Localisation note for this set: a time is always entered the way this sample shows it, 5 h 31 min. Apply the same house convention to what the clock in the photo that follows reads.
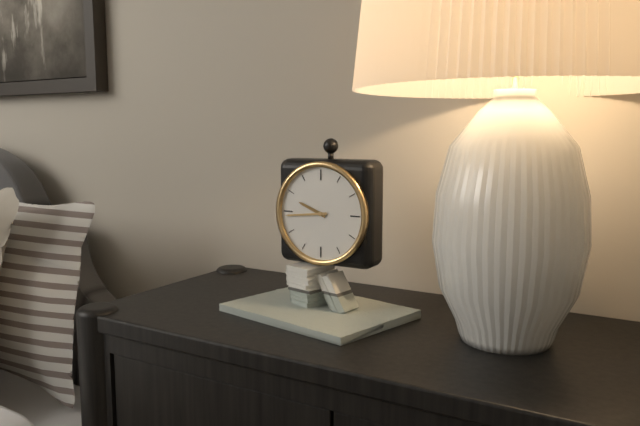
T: 9 h 44 min
